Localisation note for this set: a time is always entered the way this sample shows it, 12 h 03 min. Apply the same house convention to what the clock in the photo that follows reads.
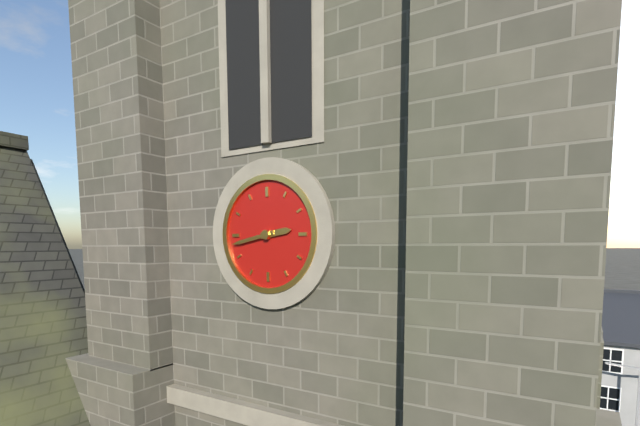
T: 2 h 43 min
